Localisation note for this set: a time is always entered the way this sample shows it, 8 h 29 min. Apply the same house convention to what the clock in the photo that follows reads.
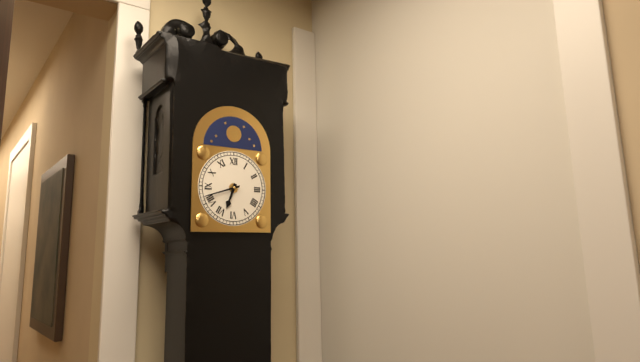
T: 6 h 42 min
